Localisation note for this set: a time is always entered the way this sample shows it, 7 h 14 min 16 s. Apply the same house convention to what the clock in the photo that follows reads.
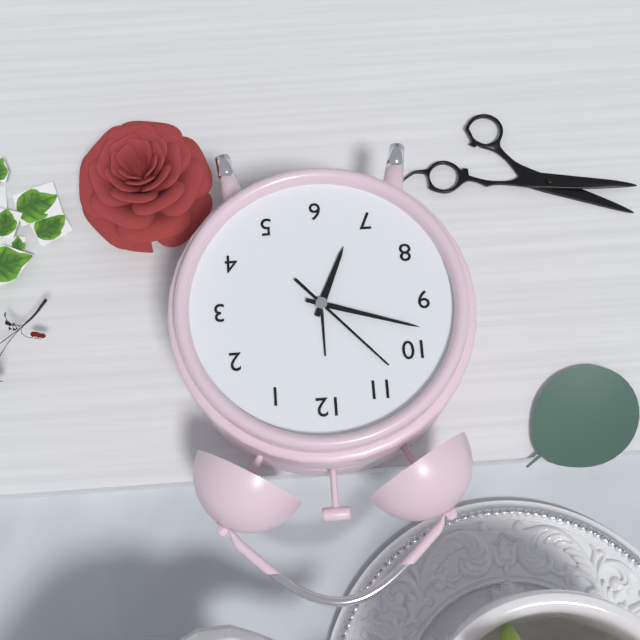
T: 6 h 48 min 53 s
